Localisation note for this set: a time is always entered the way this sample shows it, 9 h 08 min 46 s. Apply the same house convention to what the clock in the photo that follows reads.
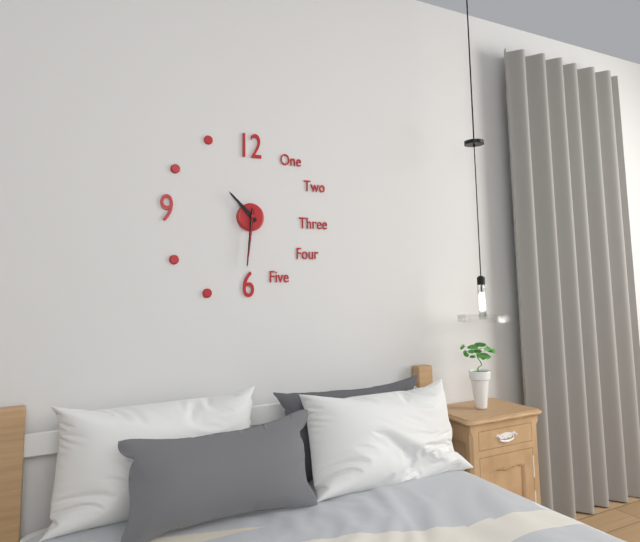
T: 10 h 31 min 31 s
